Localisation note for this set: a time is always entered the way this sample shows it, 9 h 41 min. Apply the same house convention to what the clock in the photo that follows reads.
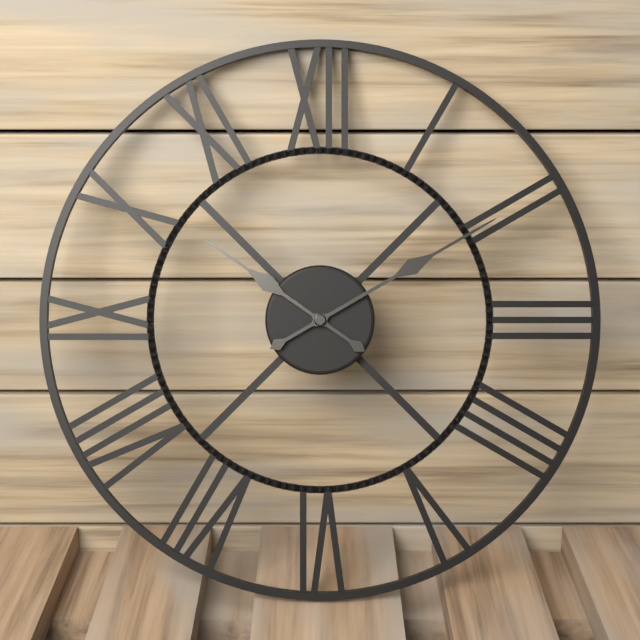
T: 10 h 10 min
